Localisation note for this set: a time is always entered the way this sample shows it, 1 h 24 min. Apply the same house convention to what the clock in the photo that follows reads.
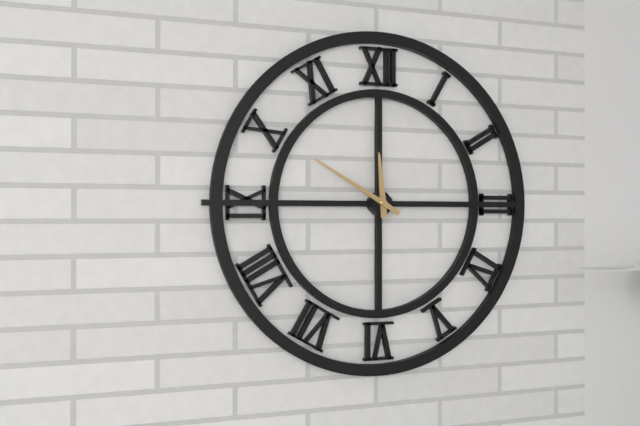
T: 11 h 50 min
